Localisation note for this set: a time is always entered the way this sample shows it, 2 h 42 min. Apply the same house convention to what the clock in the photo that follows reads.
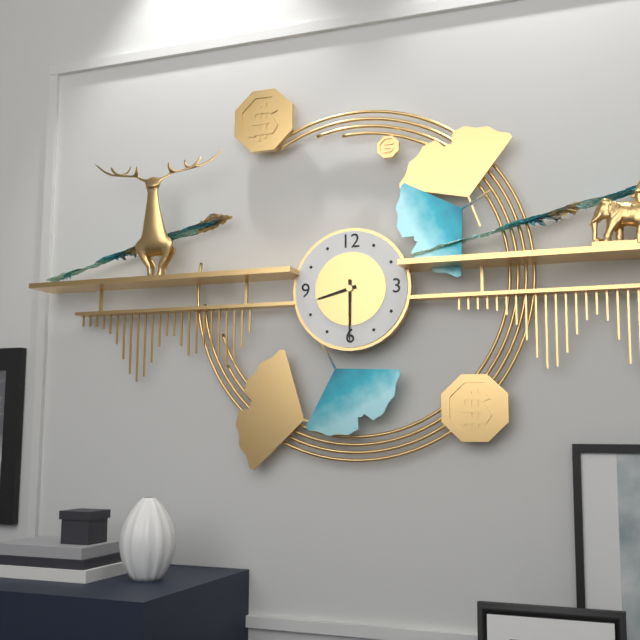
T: 8 h 30 min
